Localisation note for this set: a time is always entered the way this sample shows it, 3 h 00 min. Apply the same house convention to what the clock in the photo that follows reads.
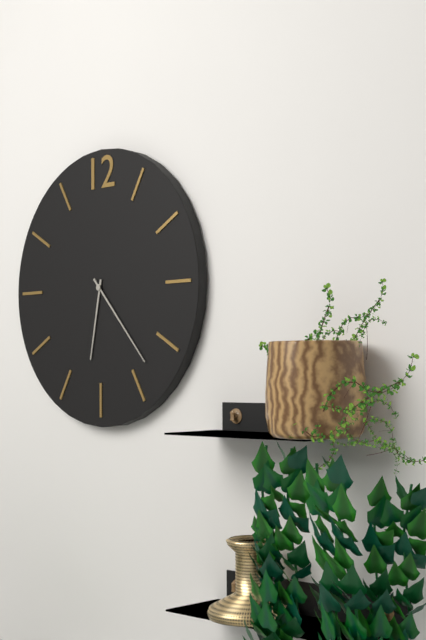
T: 6 h 23 min
